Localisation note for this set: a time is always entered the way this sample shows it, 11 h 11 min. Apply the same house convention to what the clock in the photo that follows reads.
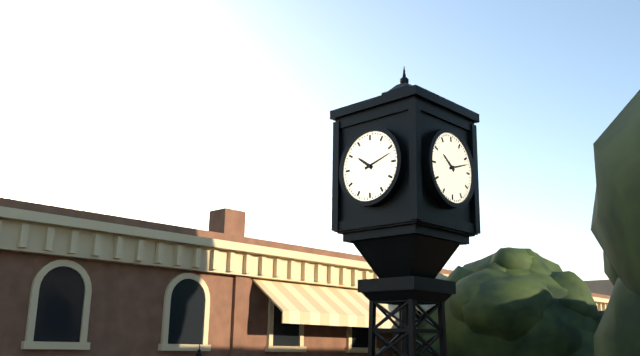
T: 10 h 12 min
